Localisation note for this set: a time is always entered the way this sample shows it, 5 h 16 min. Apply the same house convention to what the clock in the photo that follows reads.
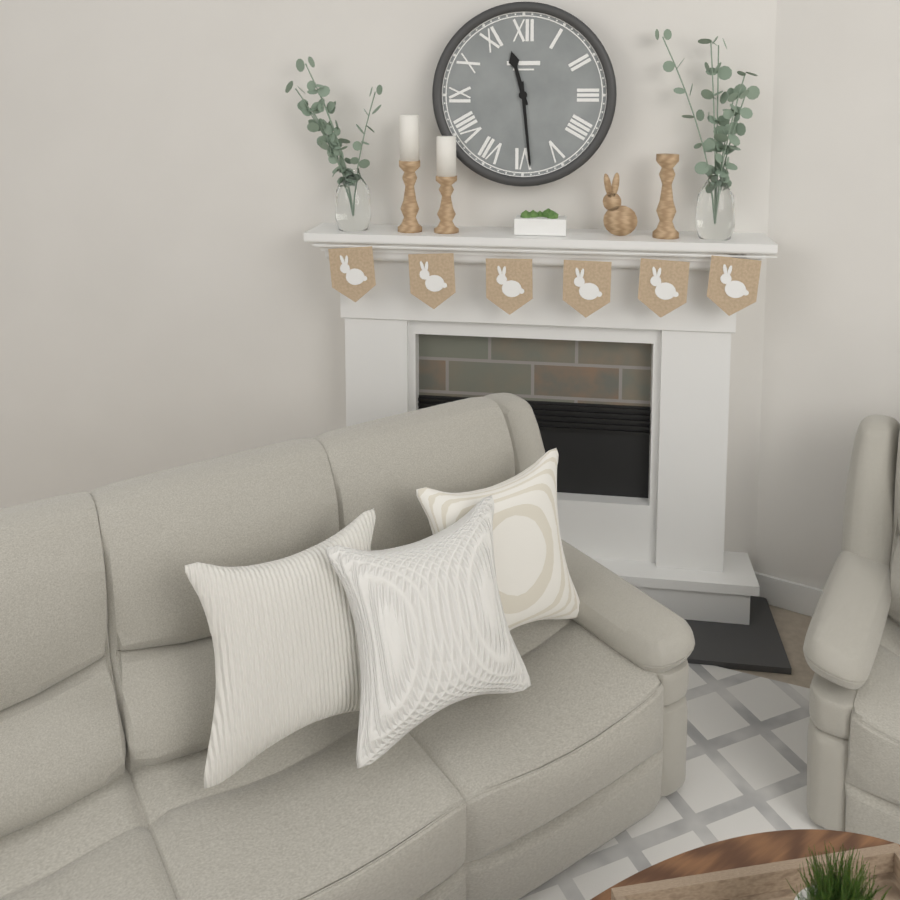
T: 11 h 29 min
